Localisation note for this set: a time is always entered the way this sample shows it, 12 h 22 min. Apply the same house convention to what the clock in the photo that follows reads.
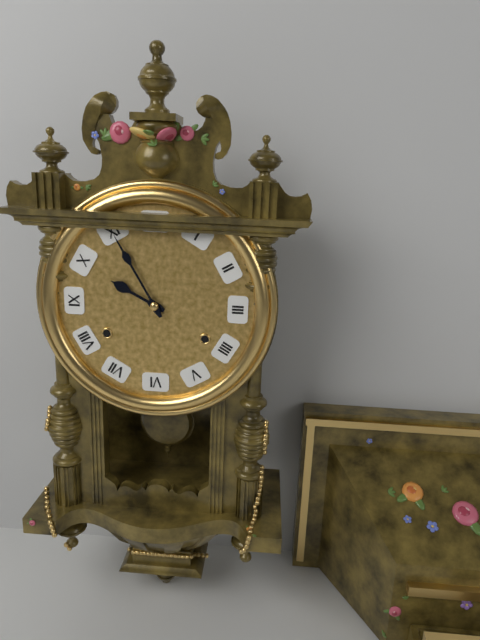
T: 9 h 55 min
